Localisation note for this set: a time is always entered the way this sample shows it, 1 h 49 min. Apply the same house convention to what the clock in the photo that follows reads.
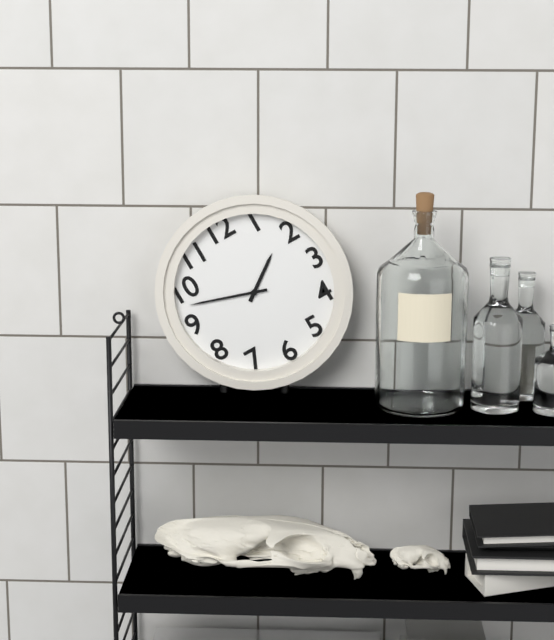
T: 1 h 48 min
